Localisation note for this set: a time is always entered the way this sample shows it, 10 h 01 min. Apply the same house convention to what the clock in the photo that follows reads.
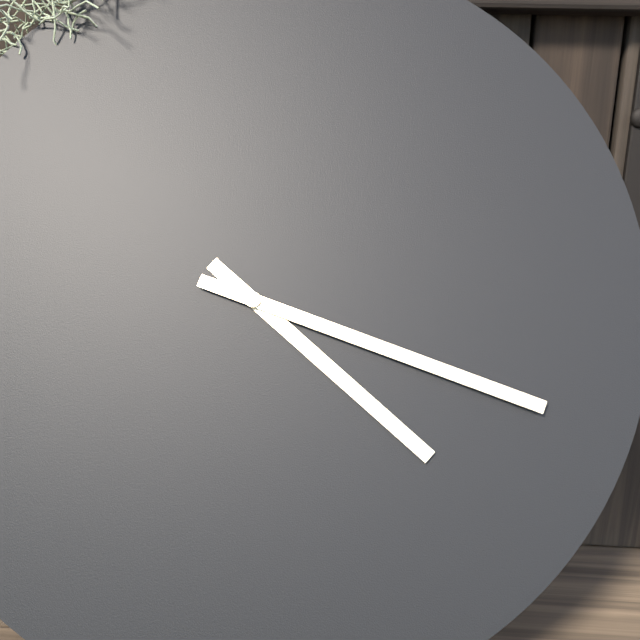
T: 4 h 18 min
